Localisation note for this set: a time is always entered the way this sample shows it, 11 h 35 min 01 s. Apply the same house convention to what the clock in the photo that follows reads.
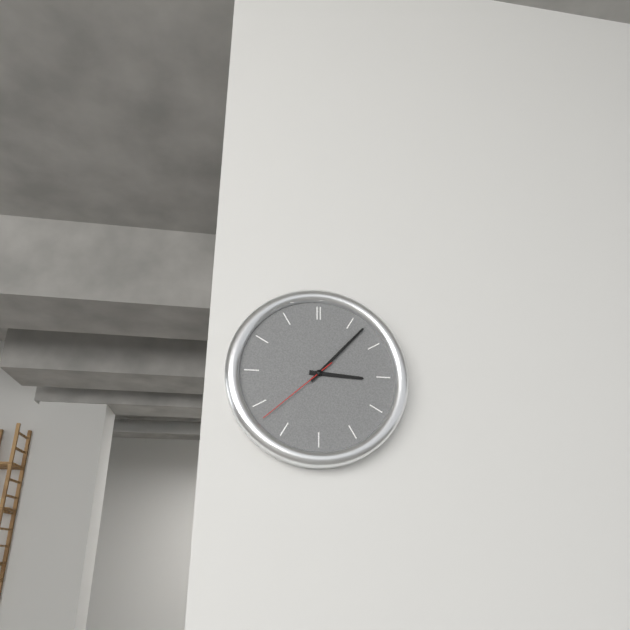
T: 3 h 07 min 38 s
